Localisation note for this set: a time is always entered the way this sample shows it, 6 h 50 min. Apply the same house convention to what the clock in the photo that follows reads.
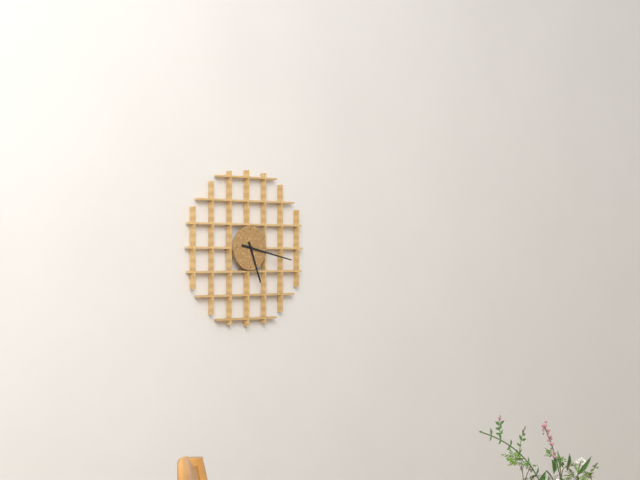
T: 5 h 17 min
